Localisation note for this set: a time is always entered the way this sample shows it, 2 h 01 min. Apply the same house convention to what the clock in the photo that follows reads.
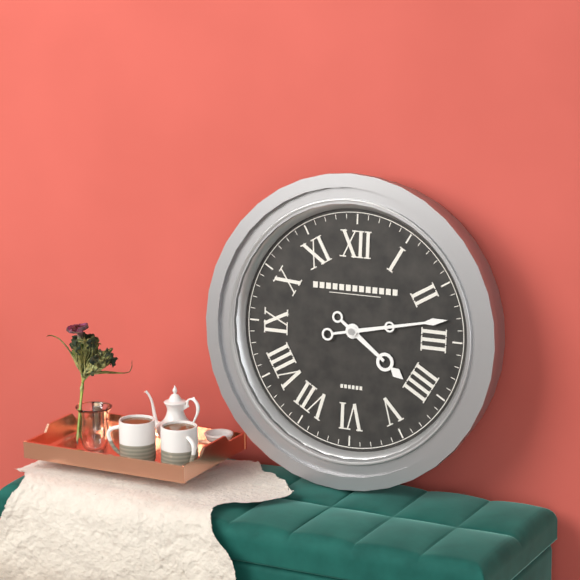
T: 4 h 13 min
